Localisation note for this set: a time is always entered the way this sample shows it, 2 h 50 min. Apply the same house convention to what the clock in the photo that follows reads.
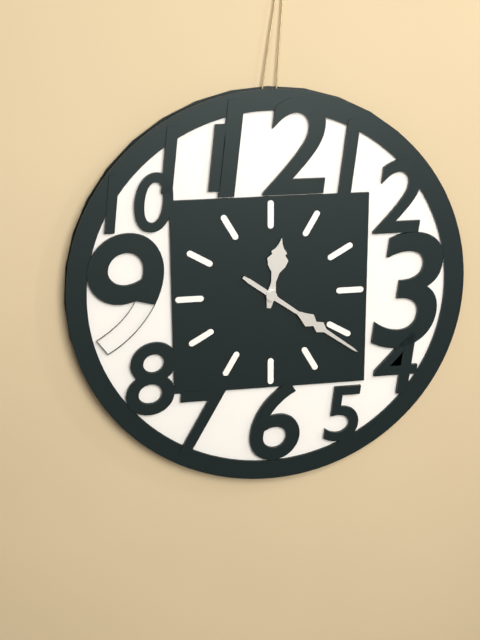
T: 12 h 21 min
